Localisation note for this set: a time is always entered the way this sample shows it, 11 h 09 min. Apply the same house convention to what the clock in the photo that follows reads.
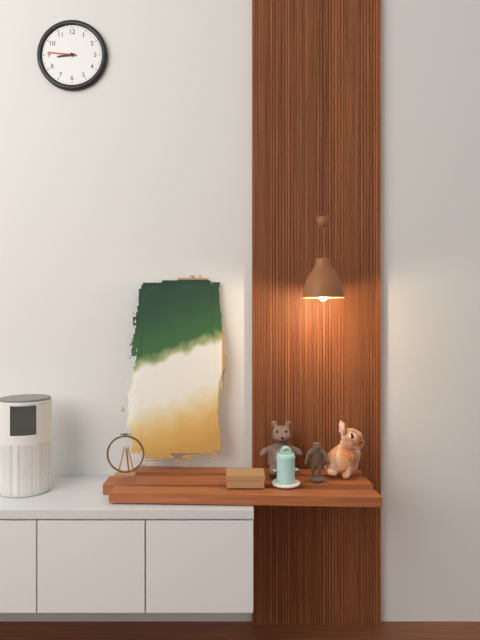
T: 8 h 46 min
